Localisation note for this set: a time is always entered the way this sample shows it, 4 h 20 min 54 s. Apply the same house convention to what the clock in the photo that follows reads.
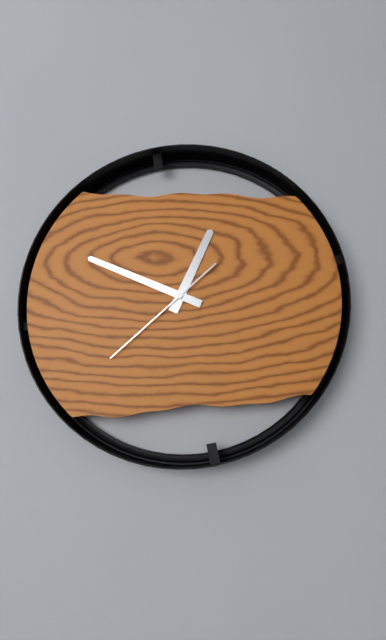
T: 12 h 49 min 38 s
